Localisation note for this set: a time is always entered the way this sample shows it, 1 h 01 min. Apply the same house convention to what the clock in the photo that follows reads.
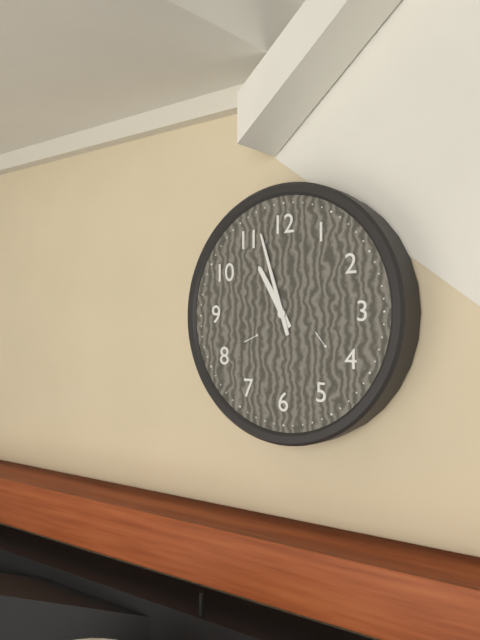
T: 10 h 57 min
